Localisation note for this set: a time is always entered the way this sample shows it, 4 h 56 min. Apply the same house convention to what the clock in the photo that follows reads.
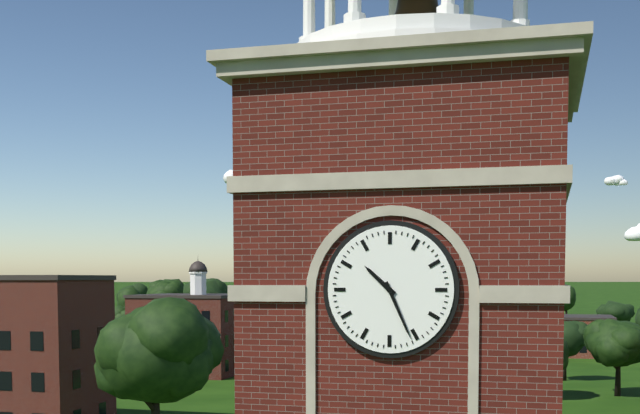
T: 10 h 26 min
